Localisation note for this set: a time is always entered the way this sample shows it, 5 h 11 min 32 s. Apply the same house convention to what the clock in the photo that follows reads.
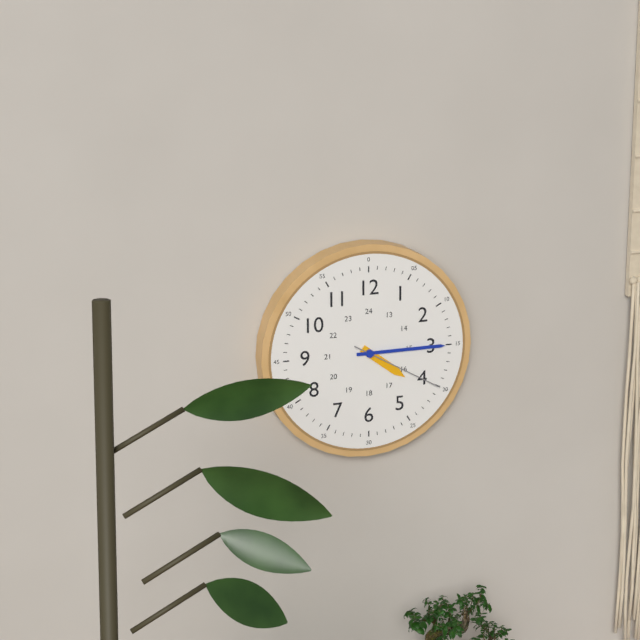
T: 4 h 15 min 20 s
